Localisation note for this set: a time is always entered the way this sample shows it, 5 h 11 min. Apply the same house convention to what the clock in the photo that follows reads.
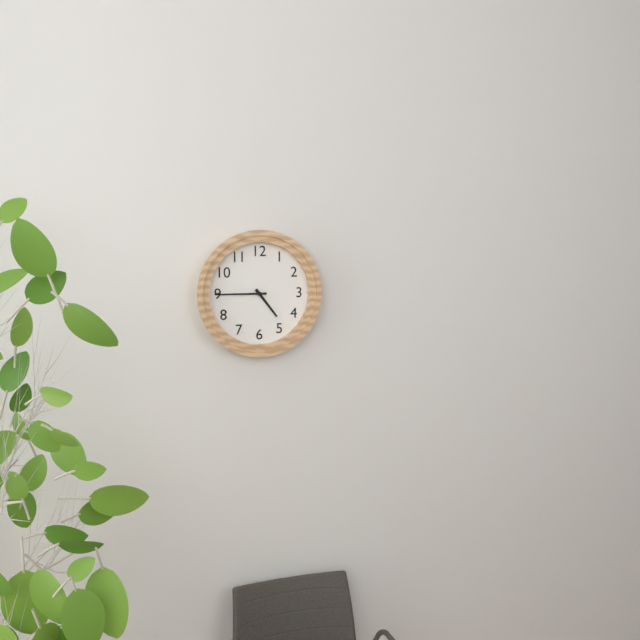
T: 4 h 45 min
